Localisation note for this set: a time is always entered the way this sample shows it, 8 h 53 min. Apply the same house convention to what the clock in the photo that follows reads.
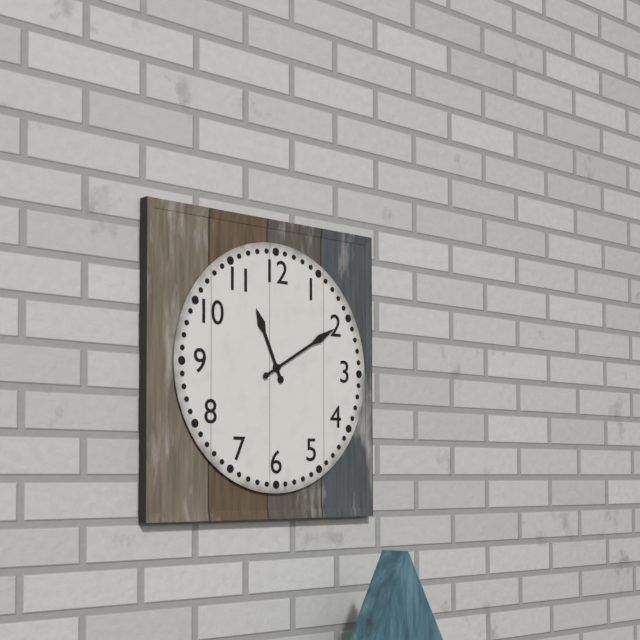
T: 11 h 10 min
